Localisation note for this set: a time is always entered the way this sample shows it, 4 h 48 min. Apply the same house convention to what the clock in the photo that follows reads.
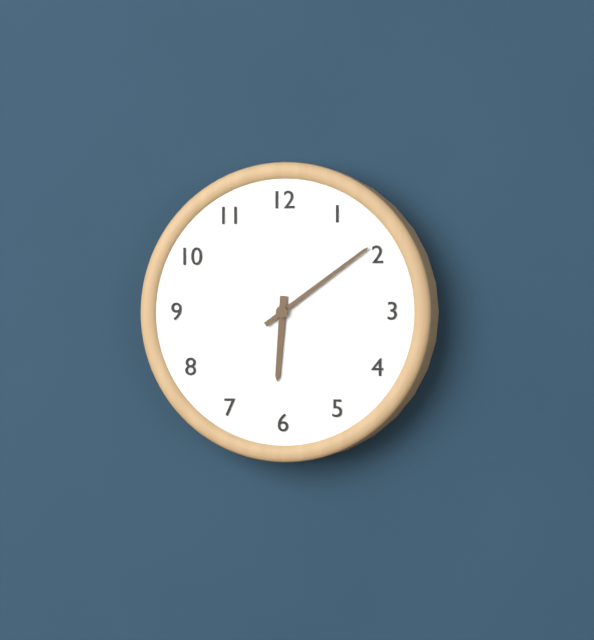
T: 6 h 09 min
